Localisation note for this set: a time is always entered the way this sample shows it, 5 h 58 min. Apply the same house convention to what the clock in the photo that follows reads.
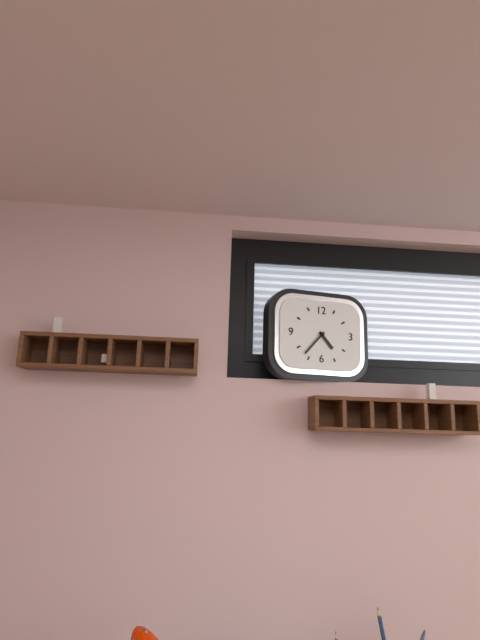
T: 4 h 37 min
